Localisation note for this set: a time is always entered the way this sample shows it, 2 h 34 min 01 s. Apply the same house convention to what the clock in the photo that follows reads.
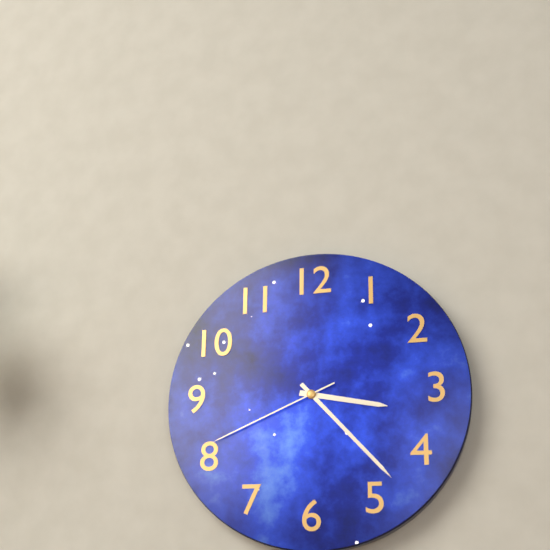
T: 3 h 23 min 41 s
